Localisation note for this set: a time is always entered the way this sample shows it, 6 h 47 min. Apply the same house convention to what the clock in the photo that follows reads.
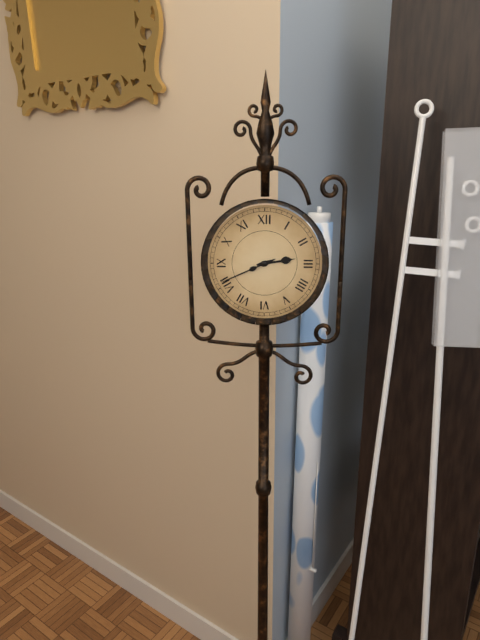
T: 2 h 41 min
